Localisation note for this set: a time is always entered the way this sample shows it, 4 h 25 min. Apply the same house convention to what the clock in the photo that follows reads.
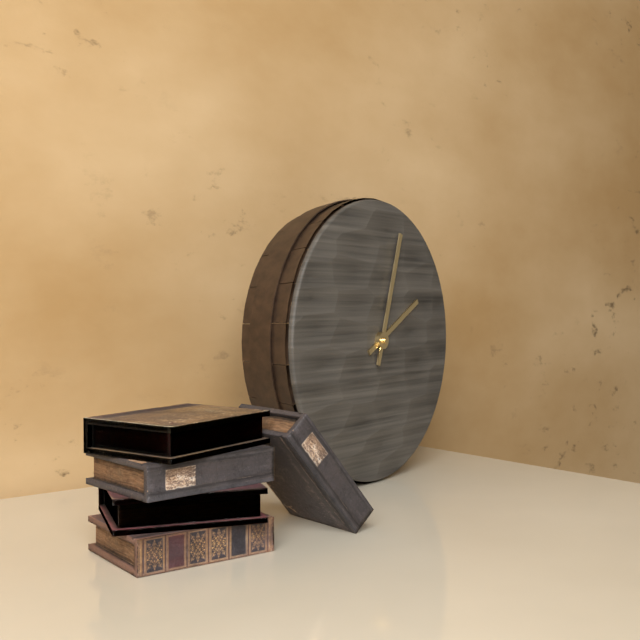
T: 2 h 03 min
